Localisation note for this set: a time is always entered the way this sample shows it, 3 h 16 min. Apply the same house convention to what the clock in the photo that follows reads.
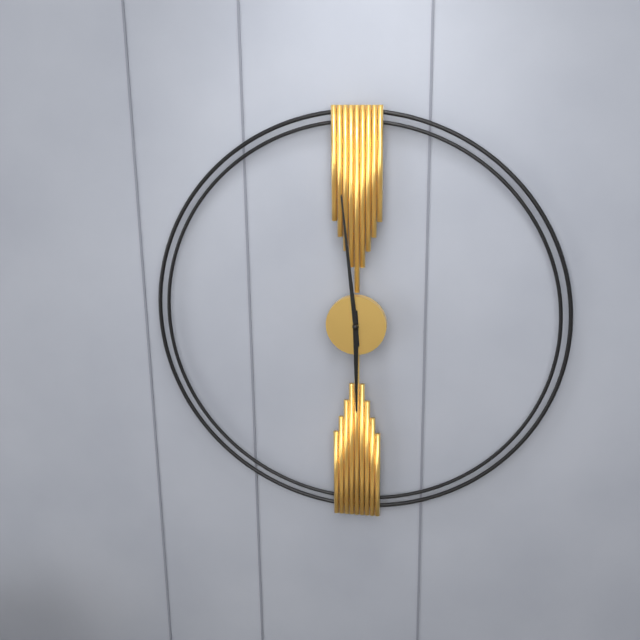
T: 5 h 59 min
